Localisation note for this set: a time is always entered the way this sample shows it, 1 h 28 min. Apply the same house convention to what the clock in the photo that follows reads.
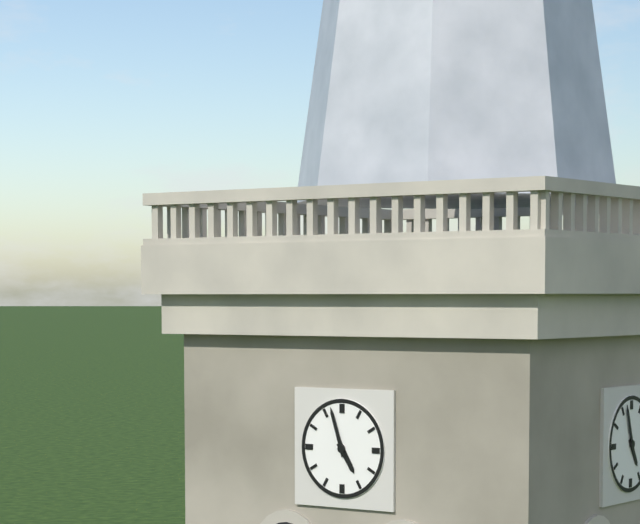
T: 4 h 57 min
